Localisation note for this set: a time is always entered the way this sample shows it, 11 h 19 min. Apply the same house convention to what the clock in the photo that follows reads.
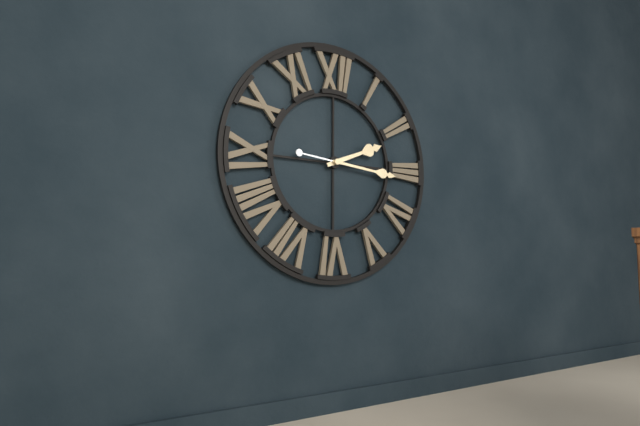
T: 2 h 16 min
